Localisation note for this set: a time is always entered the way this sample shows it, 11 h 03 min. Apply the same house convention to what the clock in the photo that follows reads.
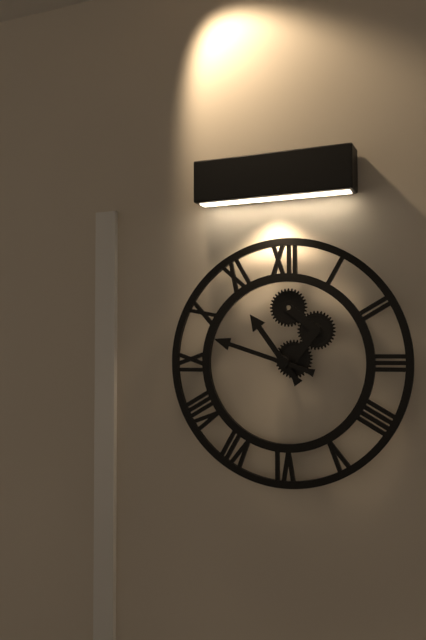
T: 10 h 48 min
